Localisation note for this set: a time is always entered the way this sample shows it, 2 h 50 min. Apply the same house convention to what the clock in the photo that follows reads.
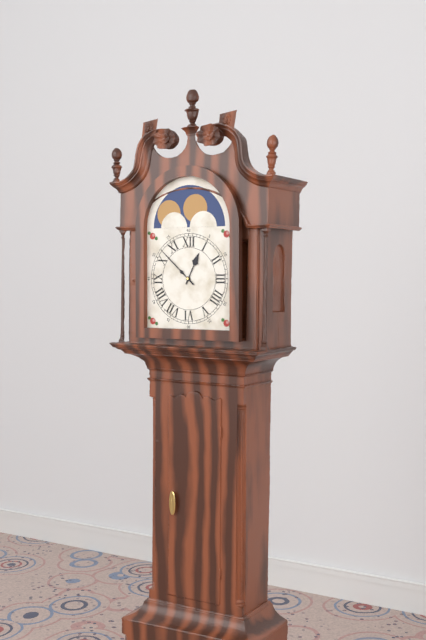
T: 12 h 52 min
